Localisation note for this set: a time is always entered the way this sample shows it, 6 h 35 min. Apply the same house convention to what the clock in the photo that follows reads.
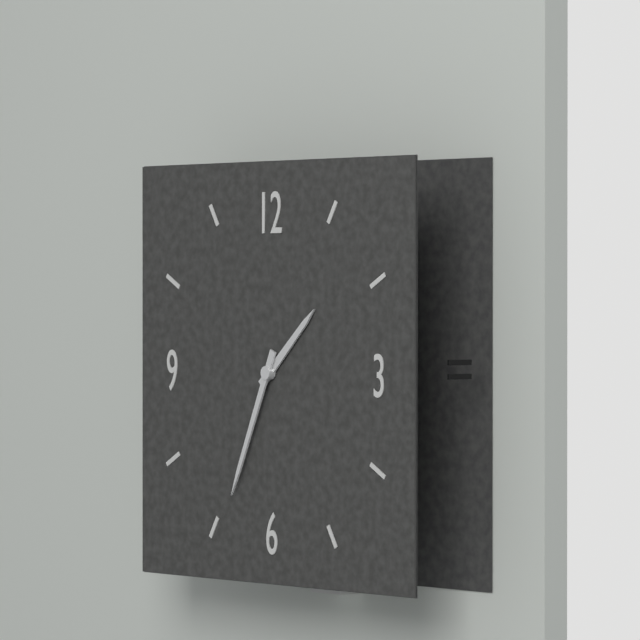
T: 1 h 34 min
